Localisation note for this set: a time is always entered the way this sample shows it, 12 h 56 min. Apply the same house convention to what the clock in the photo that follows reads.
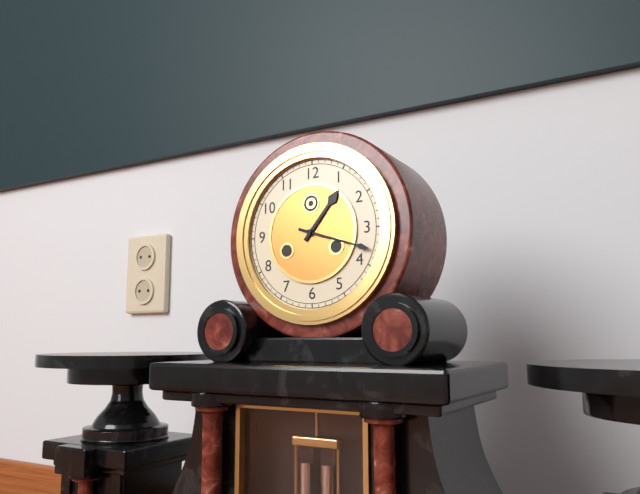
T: 1 h 18 min
